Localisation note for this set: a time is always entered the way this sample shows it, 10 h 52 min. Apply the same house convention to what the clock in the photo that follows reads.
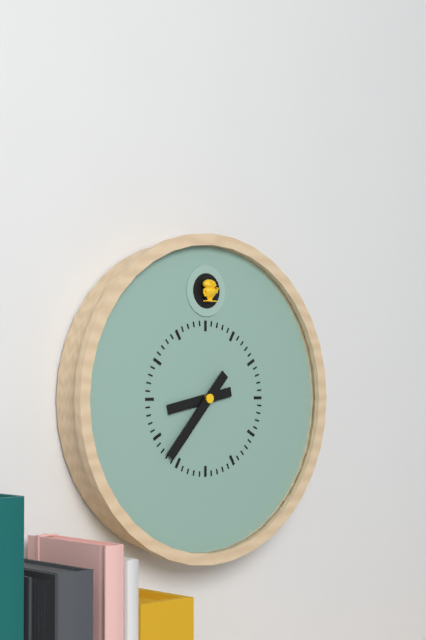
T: 8 h 37 min
